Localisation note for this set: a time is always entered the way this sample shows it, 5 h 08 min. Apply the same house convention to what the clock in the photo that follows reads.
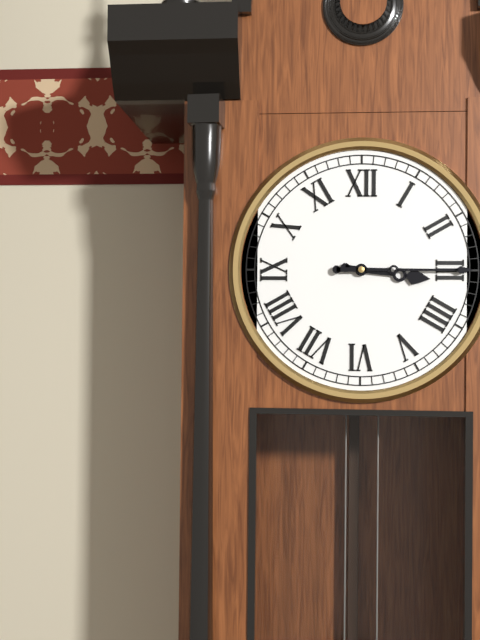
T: 3 h 15 min
